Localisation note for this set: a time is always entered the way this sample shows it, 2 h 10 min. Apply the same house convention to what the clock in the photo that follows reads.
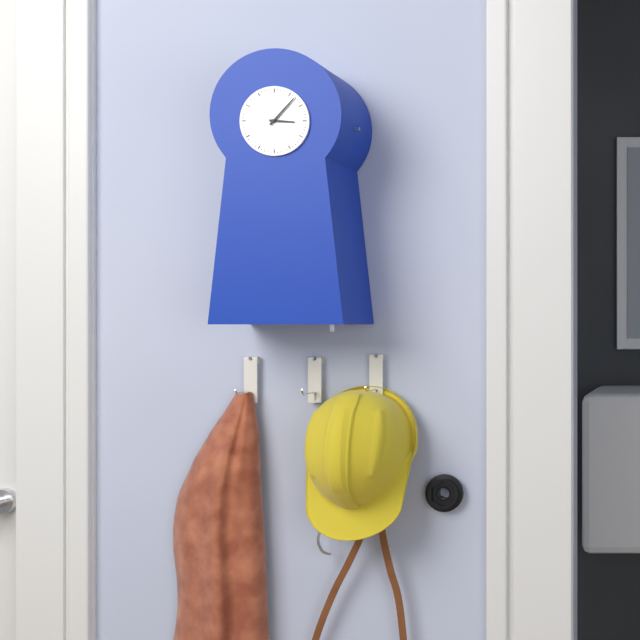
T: 3 h 07 min
